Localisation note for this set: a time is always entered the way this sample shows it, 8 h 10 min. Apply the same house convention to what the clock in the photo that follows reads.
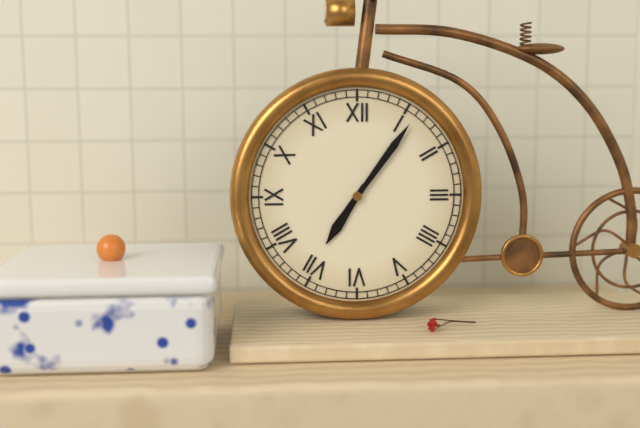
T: 7 h 06 min
